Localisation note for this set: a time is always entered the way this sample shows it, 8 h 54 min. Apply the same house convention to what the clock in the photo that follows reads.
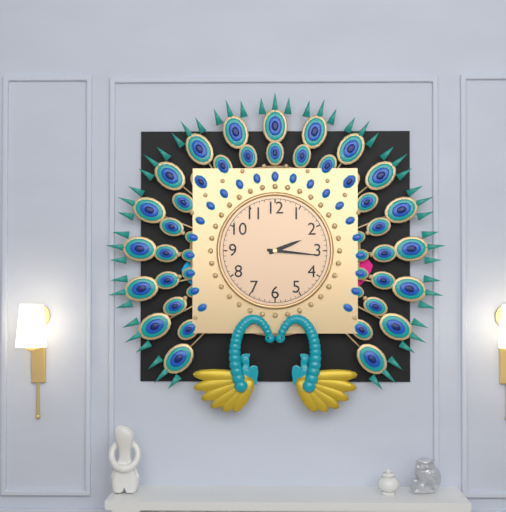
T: 2 h 16 min
